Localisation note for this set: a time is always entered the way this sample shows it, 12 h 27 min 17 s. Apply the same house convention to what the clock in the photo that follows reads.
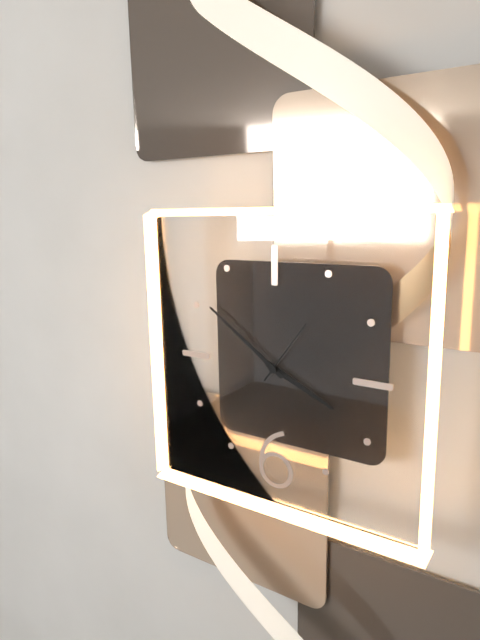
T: 3 h 51 min 06 s
